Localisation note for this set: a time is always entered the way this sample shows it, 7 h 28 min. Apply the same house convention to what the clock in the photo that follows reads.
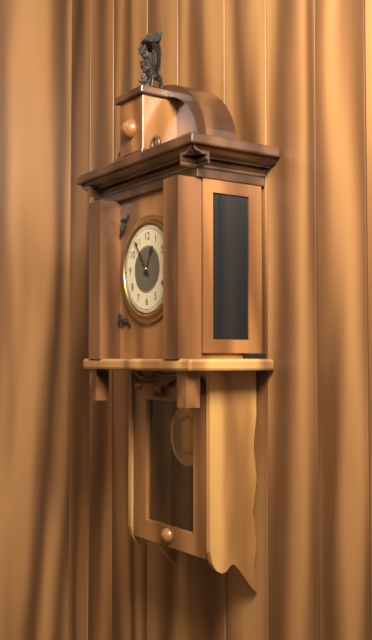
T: 12 h 54 min
